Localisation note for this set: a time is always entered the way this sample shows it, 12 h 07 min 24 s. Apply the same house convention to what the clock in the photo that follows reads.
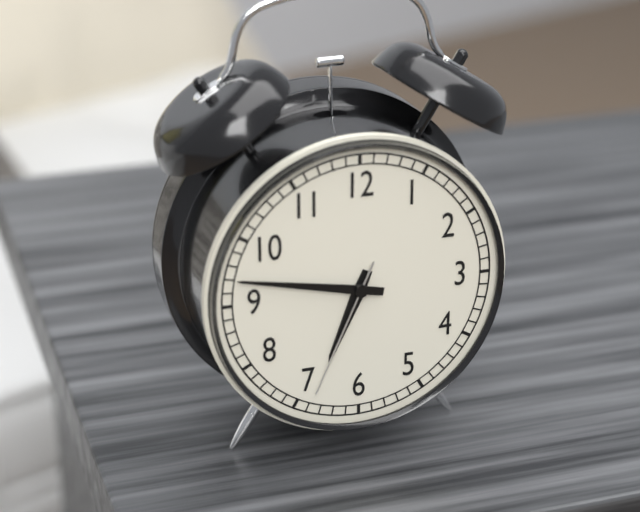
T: 6 h 47 min 34 s
